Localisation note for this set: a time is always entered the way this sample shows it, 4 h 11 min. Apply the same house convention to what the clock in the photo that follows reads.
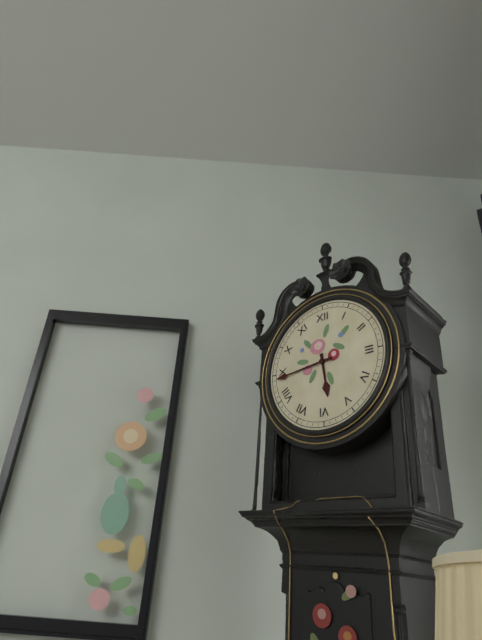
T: 5 h 44 min
